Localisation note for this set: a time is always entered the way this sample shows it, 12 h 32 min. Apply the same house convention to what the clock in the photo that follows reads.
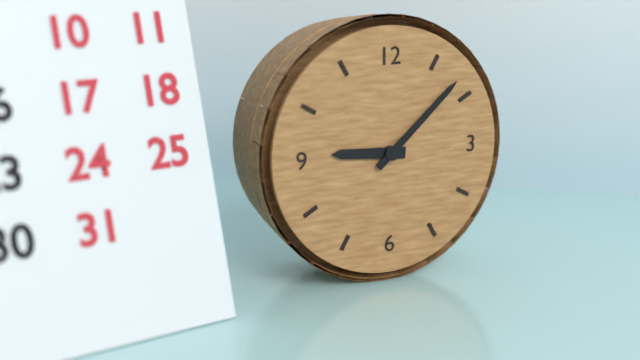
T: 9 h 08 min
